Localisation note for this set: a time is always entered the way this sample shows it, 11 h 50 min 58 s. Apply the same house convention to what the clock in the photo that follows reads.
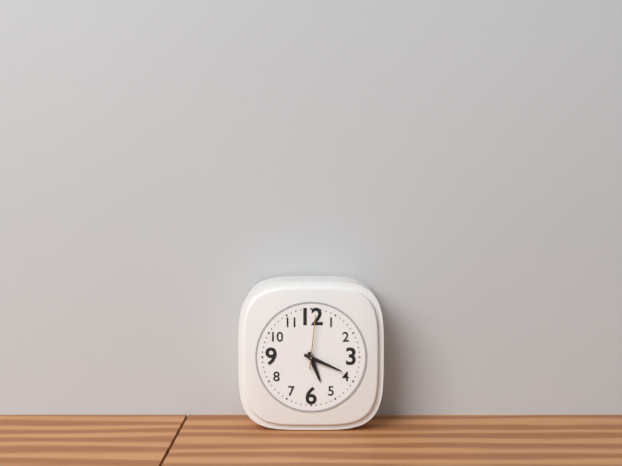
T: 5 h 19 min 01 s
